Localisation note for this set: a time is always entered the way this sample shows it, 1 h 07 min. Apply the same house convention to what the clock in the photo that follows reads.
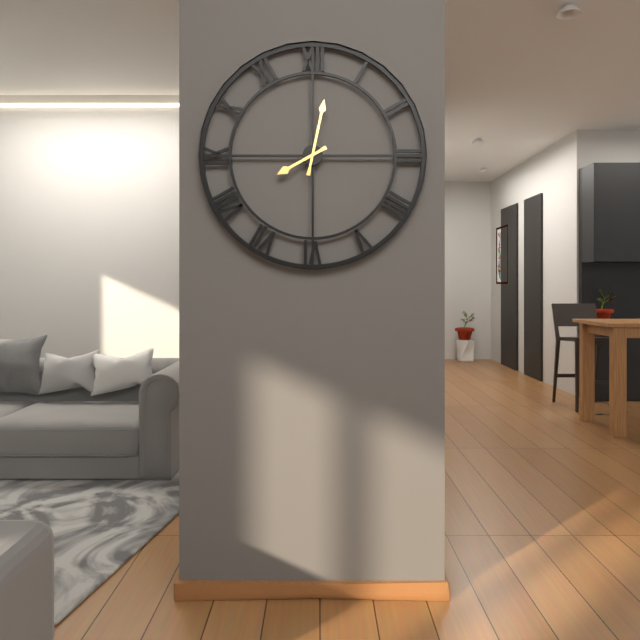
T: 8 h 02 min
